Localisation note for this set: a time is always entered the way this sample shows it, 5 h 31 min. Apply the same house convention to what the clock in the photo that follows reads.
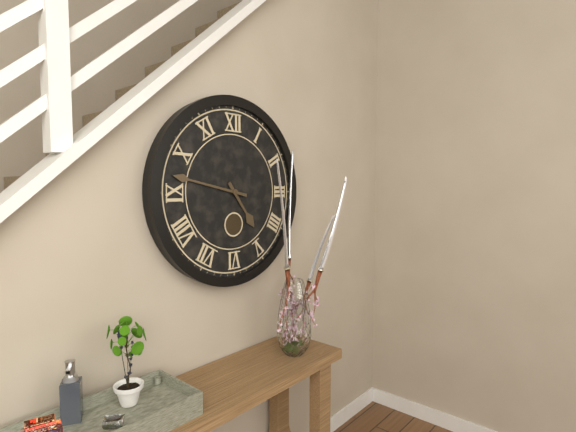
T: 4 h 47 min
